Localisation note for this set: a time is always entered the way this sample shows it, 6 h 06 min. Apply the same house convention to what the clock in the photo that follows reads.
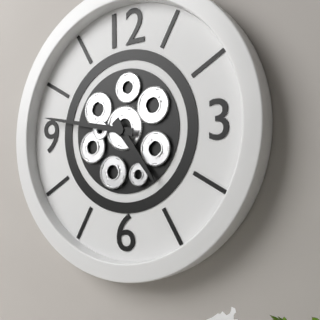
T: 4 h 47 min
